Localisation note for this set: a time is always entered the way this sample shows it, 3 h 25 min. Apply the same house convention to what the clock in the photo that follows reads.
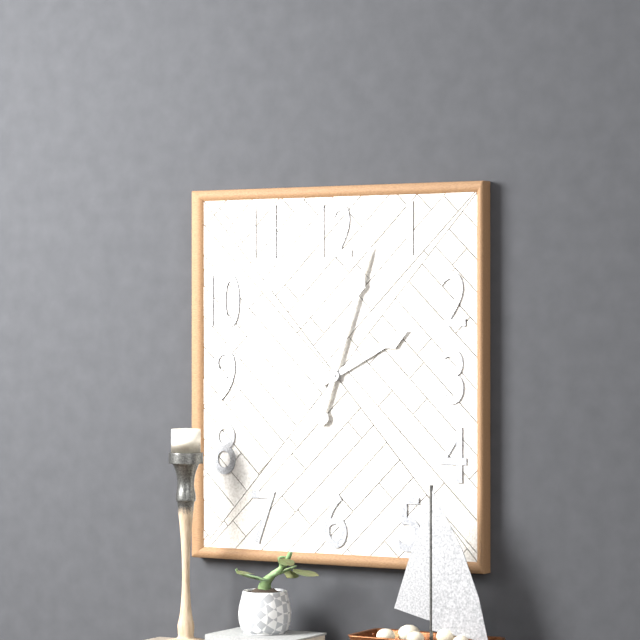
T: 2 h 03 min
